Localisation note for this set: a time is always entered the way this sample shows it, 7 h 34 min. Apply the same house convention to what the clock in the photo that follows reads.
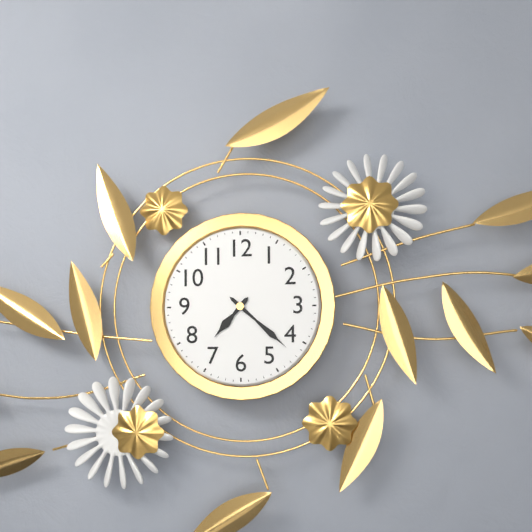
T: 7 h 22 min
